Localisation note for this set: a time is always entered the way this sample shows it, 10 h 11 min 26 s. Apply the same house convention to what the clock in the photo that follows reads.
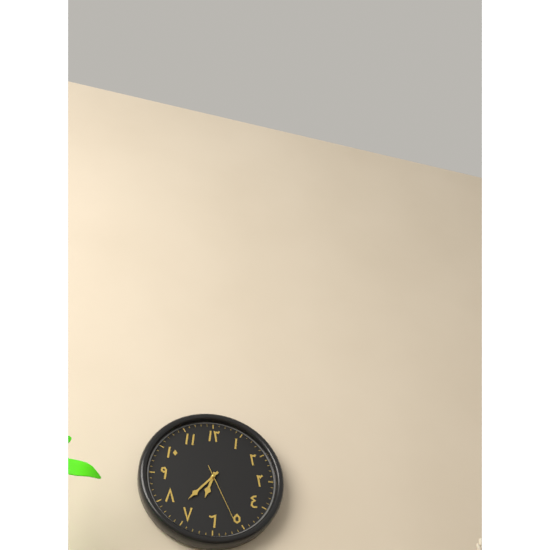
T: 6 h 37 min 26 s
